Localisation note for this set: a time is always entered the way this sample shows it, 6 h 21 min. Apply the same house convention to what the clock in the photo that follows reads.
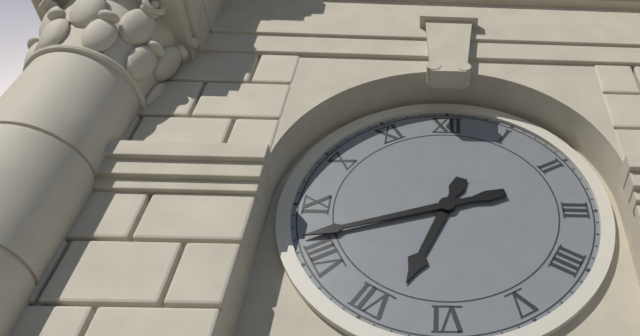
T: 6 h 42 min
